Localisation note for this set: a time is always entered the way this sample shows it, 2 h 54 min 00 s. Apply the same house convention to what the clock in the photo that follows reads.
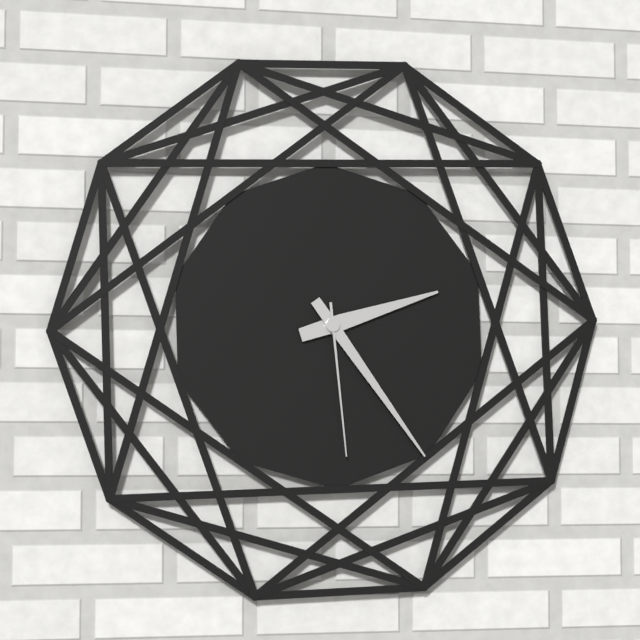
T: 2 h 24 min 29 s
